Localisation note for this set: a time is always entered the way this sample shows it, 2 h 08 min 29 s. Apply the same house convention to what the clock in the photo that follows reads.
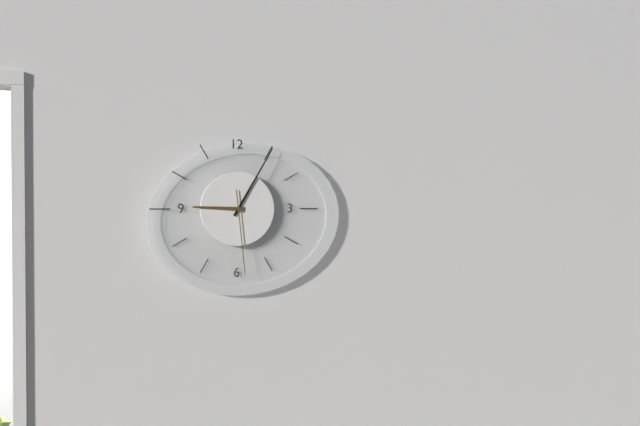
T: 9 h 05 min 29 s
